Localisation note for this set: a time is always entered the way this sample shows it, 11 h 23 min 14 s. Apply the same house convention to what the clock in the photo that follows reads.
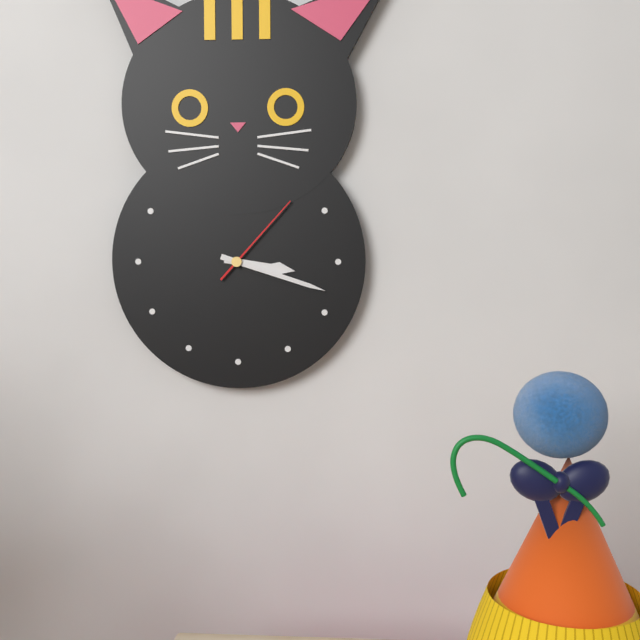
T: 3 h 18 min 07 s
